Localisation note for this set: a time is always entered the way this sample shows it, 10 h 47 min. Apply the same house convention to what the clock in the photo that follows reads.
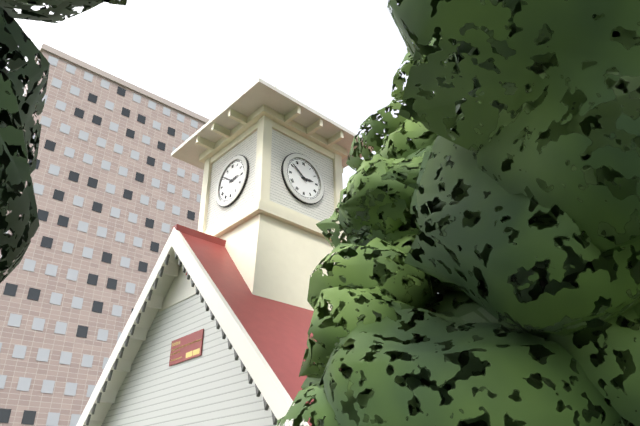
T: 2 h 51 min
